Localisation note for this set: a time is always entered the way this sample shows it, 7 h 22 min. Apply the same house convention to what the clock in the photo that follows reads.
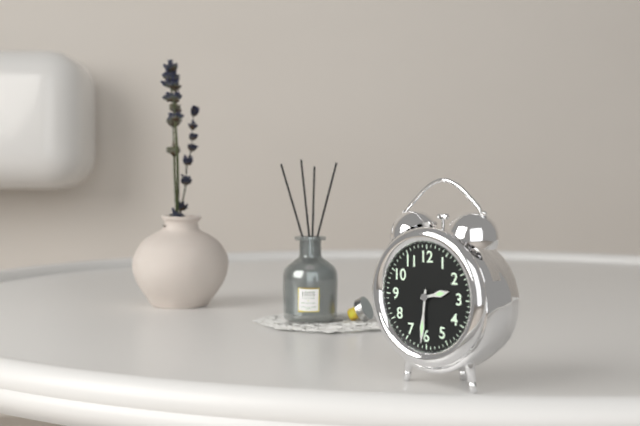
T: 2 h 31 min
